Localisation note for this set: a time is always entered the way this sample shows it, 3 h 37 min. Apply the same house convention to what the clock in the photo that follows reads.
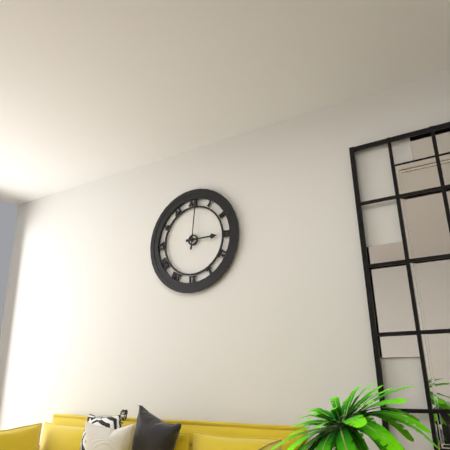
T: 3 h 01 min
